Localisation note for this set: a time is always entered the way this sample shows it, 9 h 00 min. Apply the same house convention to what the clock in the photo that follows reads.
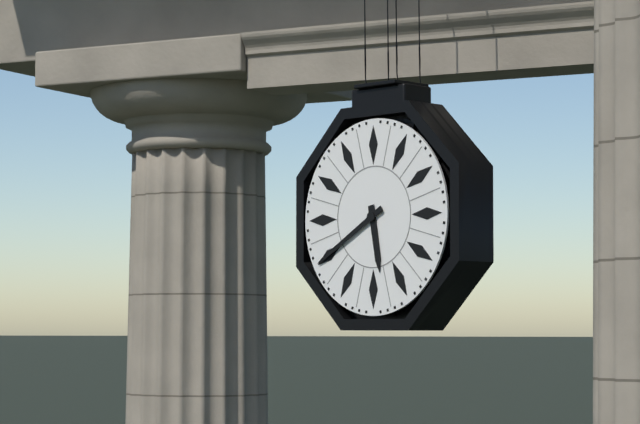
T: 5 h 40 min
